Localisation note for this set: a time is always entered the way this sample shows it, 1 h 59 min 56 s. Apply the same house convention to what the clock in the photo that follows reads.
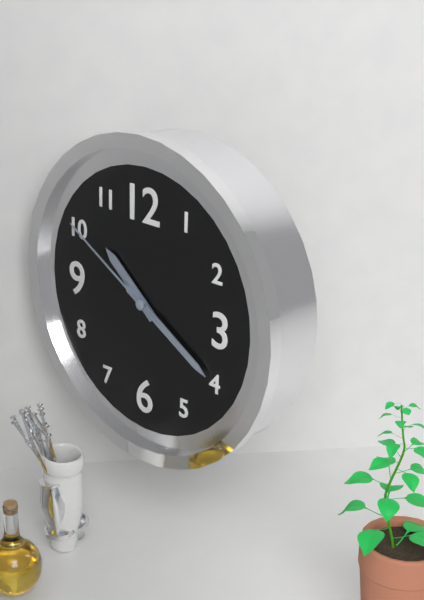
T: 10 h 20 min 50 s
